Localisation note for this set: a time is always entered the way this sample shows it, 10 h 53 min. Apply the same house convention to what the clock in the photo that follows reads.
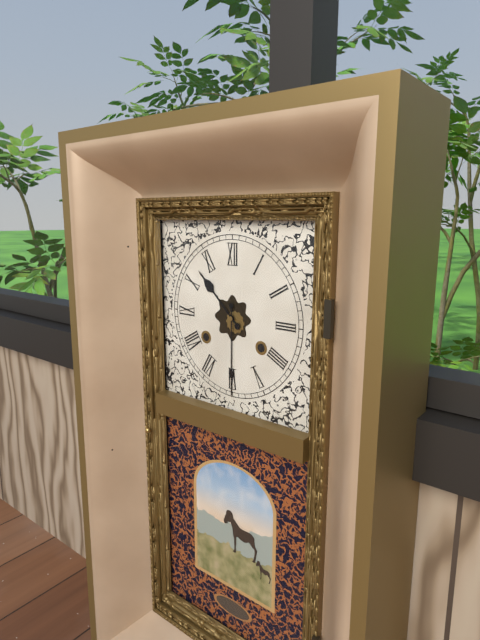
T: 10 h 30 min
